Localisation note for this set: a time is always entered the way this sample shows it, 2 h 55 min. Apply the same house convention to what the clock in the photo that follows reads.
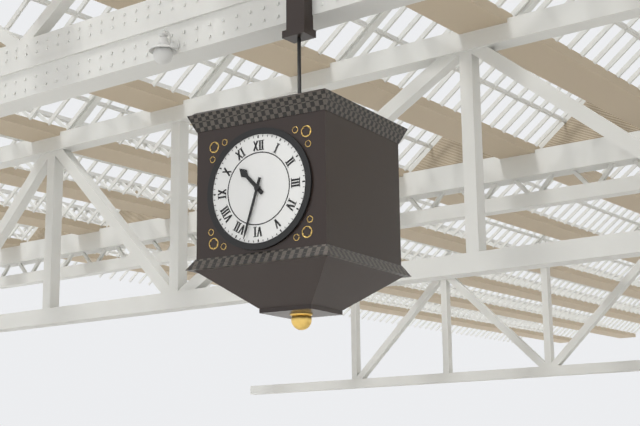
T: 10 h 33 min
